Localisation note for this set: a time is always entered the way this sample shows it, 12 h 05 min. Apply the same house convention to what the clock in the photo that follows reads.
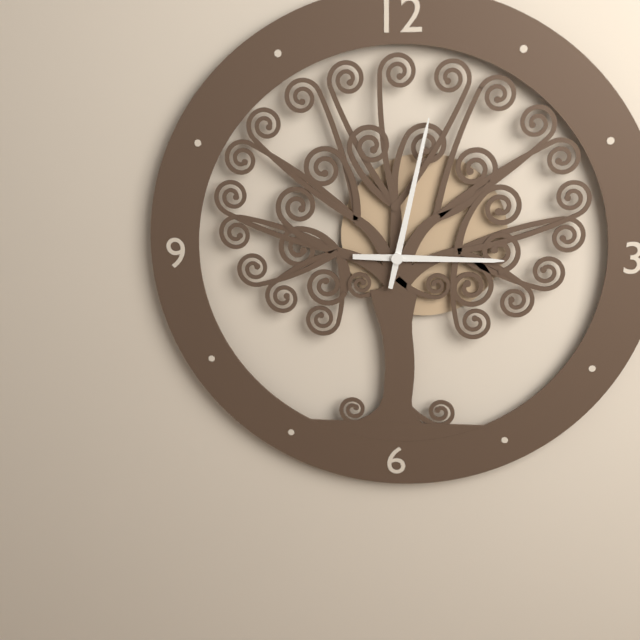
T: 3 h 02 min
